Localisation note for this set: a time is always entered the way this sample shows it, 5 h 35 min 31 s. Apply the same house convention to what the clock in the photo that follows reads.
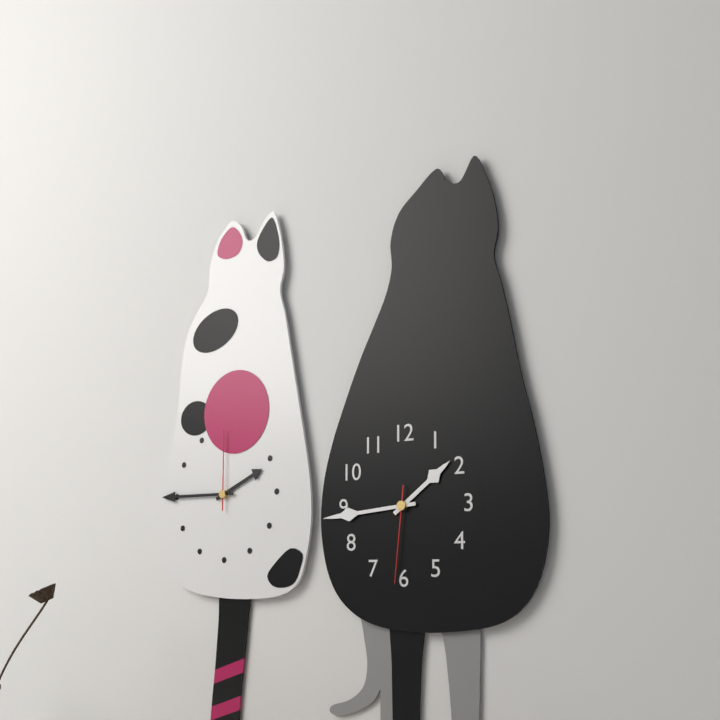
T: 1 h 44 min 31 s
